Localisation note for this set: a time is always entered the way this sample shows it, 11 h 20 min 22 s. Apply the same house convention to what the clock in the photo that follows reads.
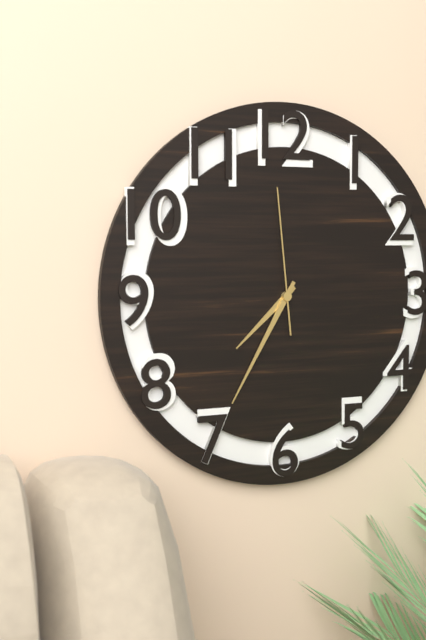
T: 7 h 35 min 59 s
